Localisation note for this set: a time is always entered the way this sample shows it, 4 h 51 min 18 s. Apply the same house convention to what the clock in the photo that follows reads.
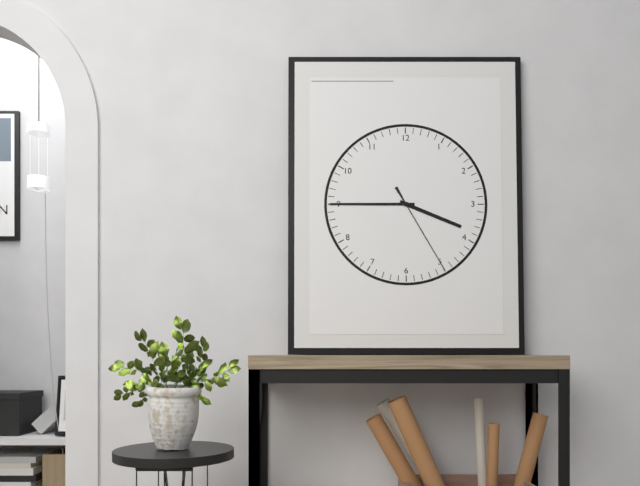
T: 3 h 45 min 25 s
